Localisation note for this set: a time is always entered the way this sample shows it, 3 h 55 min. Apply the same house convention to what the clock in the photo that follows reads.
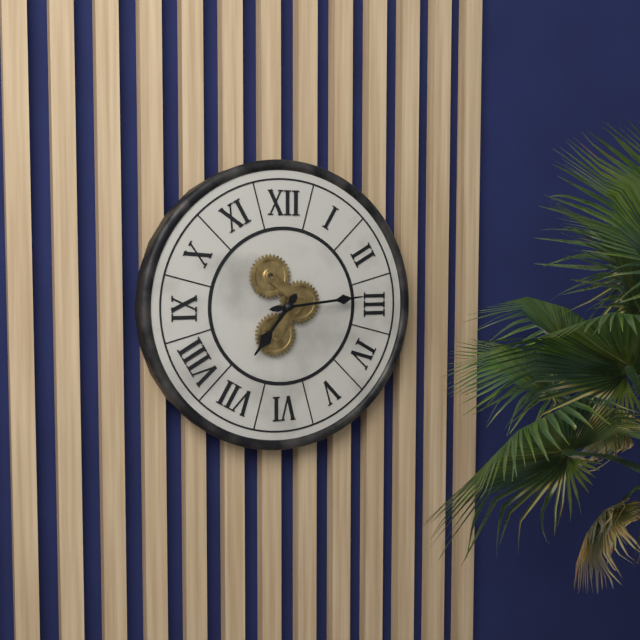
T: 7 h 14 min
